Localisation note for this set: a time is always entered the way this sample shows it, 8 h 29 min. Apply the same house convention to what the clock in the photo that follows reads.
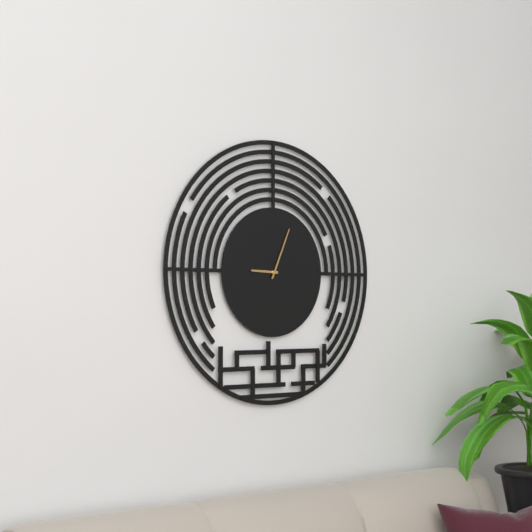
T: 9 h 04 min
